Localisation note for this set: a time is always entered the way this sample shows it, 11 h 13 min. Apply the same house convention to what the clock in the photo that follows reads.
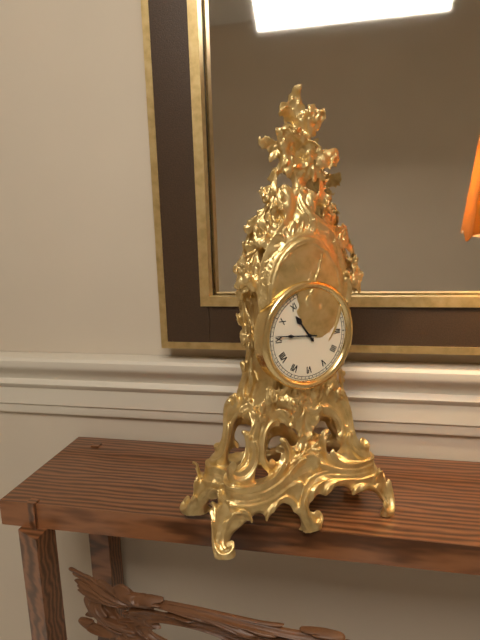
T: 10 h 46 min
